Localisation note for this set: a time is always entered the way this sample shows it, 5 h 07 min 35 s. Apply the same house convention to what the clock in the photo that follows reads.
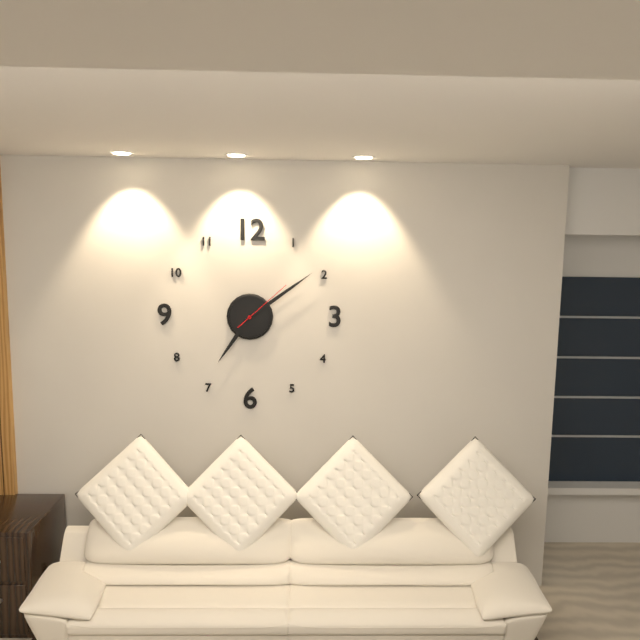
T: 7 h 09 min 08 s
